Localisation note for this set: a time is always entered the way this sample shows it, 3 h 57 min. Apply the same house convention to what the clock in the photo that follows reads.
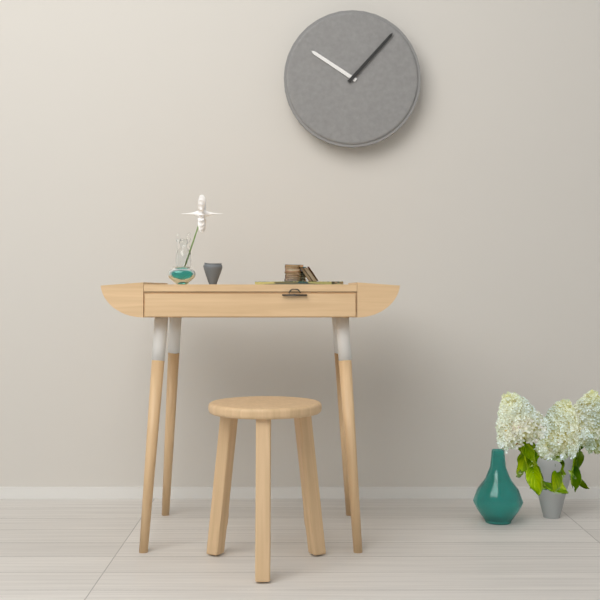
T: 10 h 07 min
